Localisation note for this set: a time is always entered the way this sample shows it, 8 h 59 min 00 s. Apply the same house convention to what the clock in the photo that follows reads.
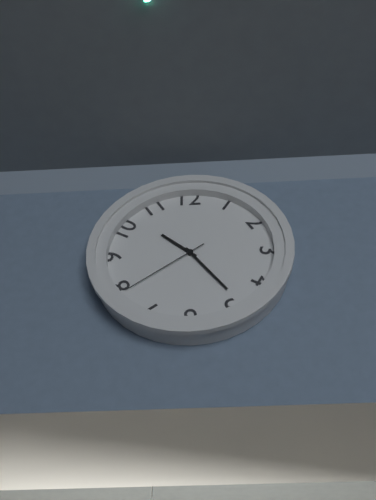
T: 10 h 24 min 39 s
